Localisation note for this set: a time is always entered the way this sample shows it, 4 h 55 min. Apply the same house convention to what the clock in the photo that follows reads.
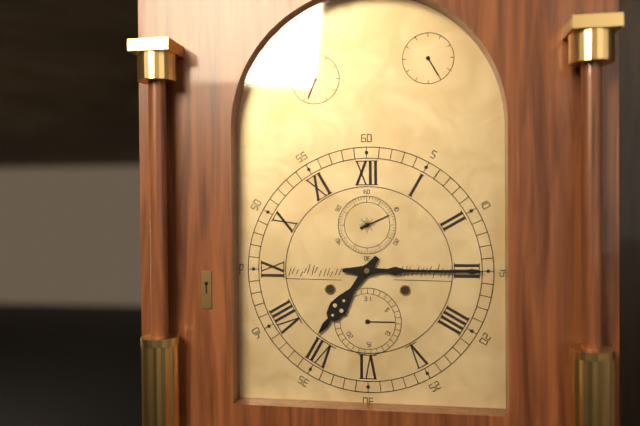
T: 7 h 15 min
